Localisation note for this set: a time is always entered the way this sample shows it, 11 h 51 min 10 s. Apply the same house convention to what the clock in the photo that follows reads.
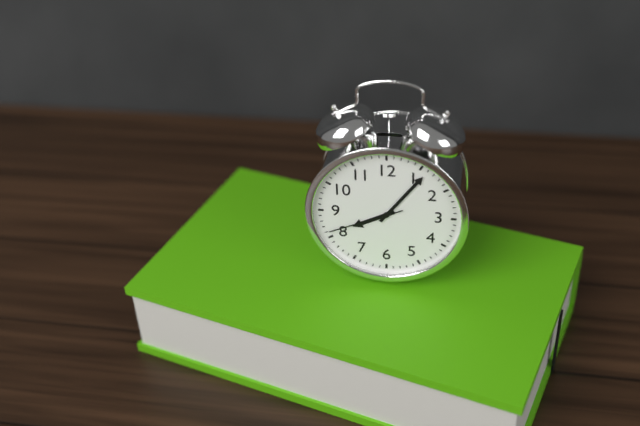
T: 8 h 06 min 41 s
